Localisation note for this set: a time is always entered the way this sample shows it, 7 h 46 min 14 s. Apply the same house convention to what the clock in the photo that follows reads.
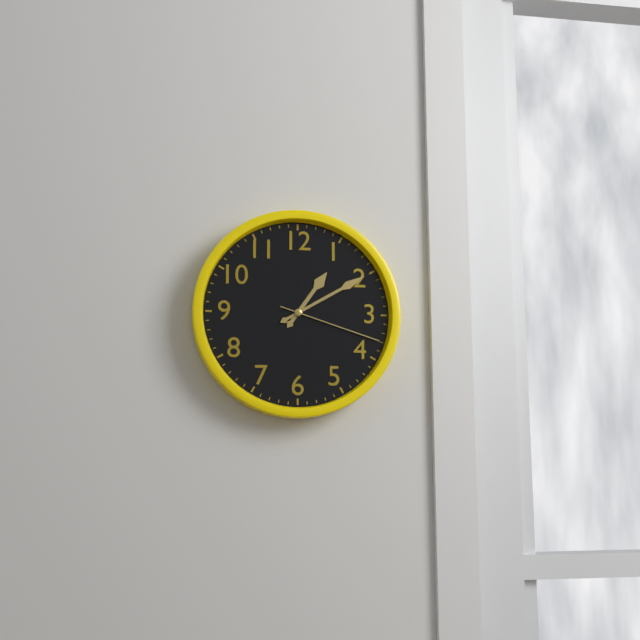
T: 1 h 10 min 18 s
